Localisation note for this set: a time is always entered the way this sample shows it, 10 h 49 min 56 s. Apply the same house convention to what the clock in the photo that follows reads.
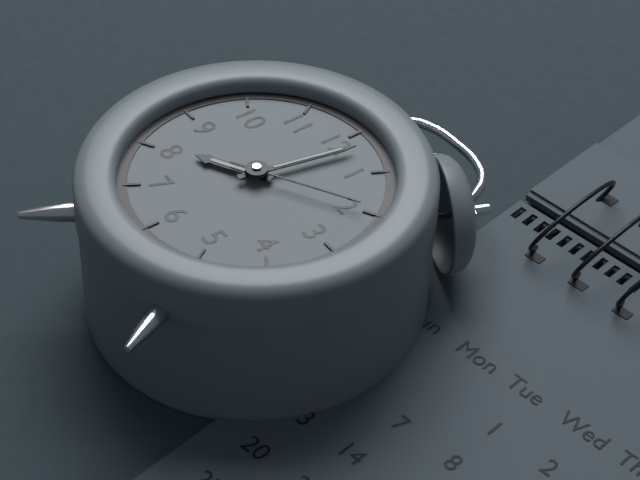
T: 8 h 02 min 10 s
